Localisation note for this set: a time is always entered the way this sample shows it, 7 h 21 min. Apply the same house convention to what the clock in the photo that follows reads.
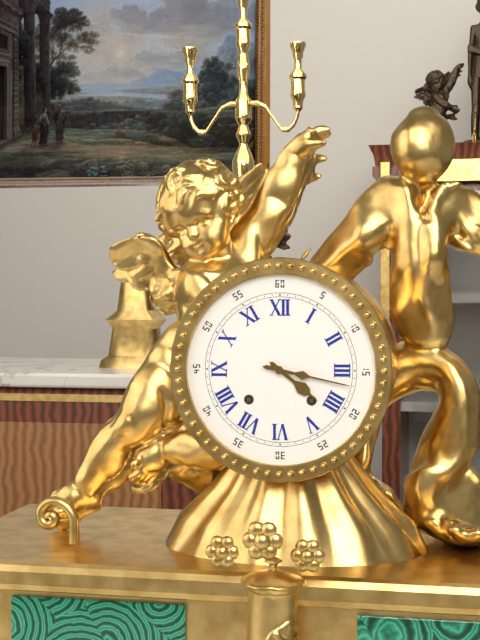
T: 4 h 17 min
